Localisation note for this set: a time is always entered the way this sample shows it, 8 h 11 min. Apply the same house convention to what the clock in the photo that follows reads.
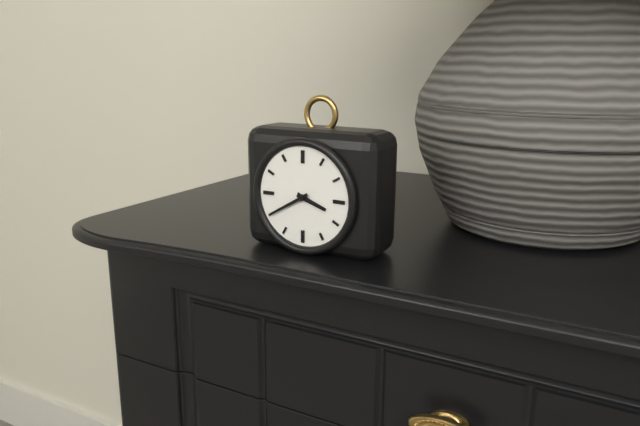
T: 3 h 40 min
